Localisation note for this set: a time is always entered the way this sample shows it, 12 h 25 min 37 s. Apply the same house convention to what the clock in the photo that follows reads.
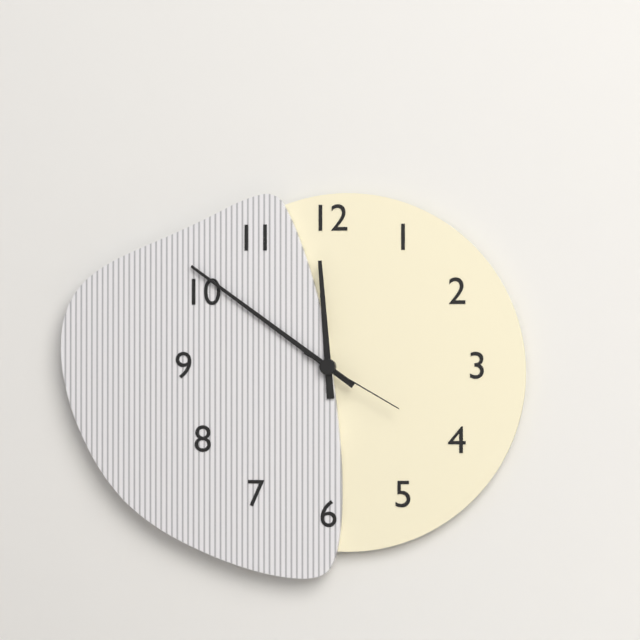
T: 11 h 51 min 20 s
